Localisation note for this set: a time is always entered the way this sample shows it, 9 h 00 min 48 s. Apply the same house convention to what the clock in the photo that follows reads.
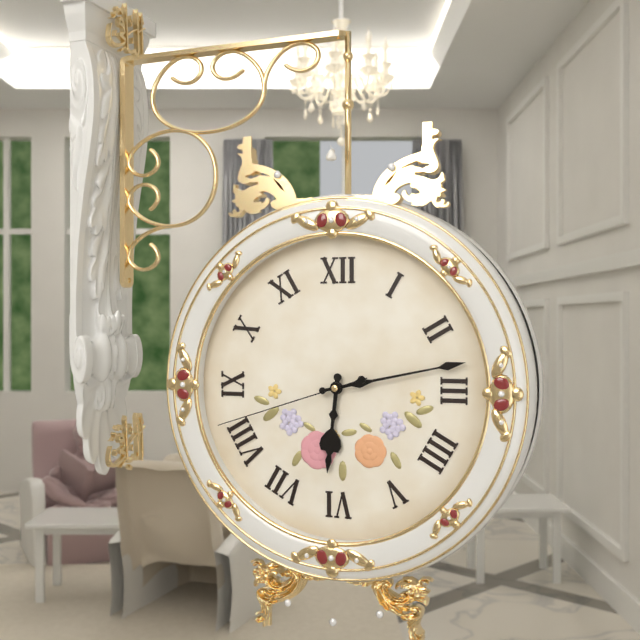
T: 6 h 13 min 42 s
